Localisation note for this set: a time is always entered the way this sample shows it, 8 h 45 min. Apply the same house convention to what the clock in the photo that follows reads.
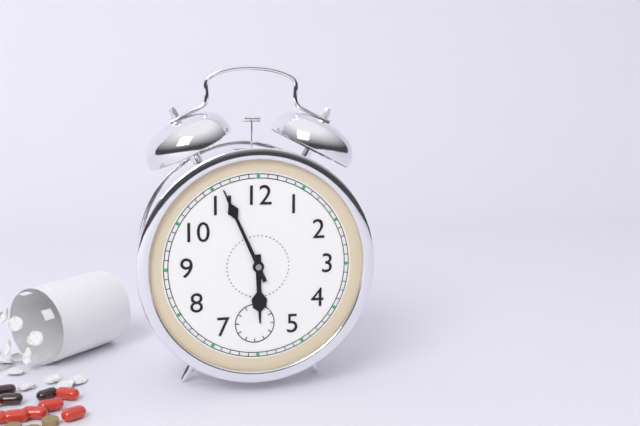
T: 5 h 56 min
